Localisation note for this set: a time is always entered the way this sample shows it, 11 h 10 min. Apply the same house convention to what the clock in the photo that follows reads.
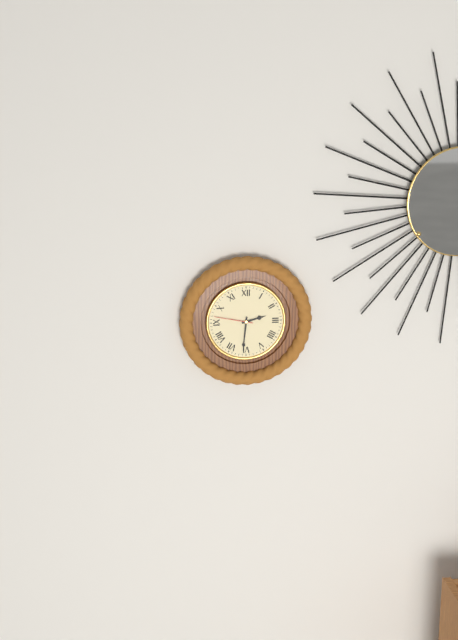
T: 2 h 31 min
